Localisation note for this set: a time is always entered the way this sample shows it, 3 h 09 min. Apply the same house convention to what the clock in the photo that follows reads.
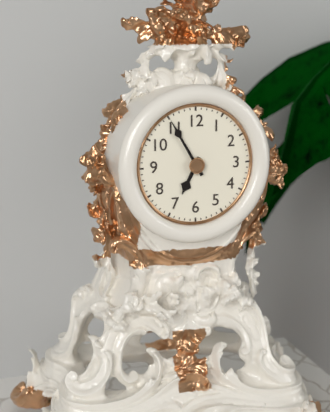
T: 6 h 55 min
